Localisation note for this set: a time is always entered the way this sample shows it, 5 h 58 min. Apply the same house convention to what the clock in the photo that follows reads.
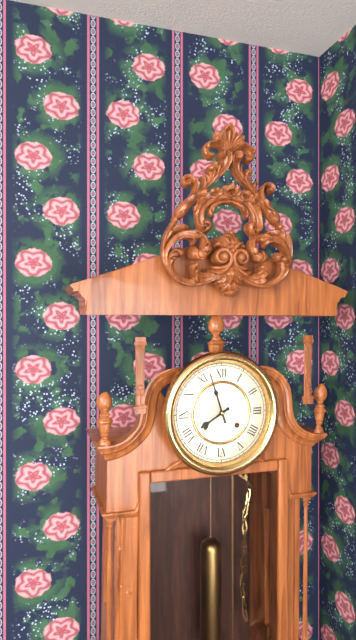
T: 7 h 57 min
